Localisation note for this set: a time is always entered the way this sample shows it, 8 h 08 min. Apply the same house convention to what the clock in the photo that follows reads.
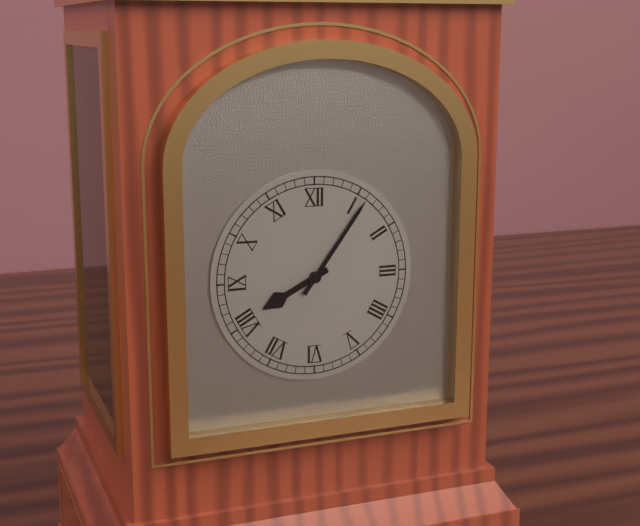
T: 8 h 06 min
